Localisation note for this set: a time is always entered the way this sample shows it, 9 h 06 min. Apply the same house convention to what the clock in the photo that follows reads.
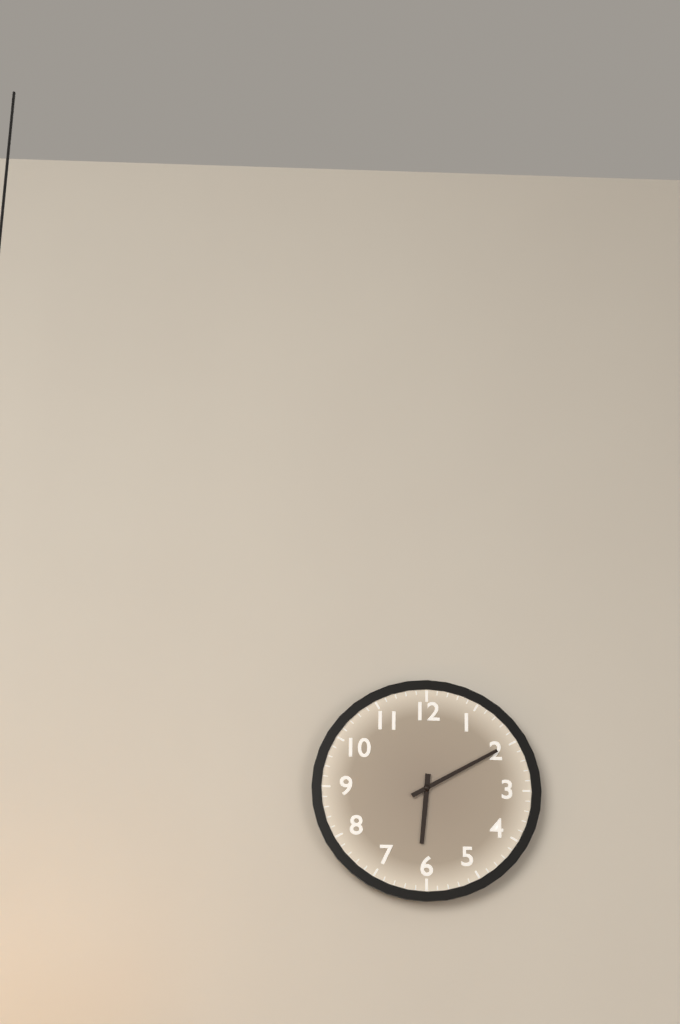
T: 6 h 10 min
